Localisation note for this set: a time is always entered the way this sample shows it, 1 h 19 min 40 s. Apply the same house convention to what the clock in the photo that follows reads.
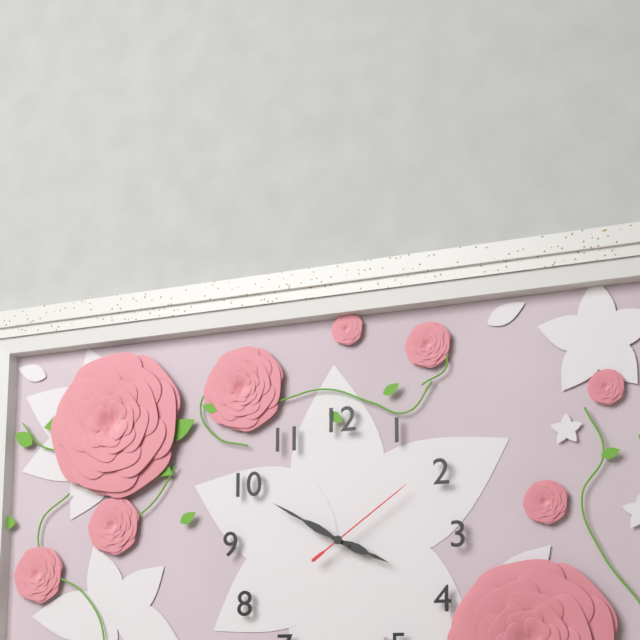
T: 3 h 50 min 09 s
